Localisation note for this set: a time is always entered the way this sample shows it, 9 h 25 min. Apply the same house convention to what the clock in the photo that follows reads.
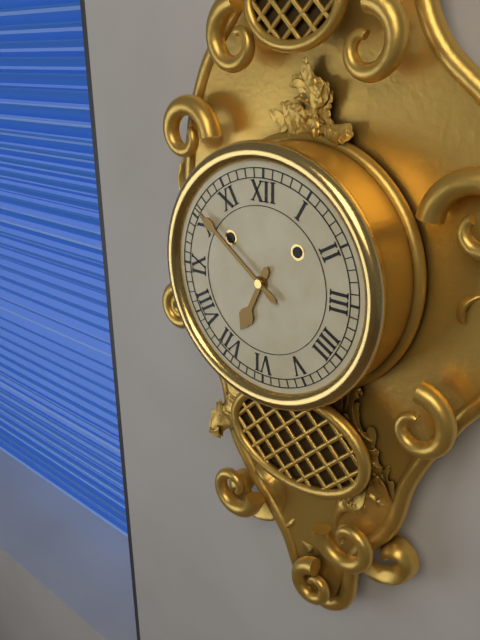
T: 6 h 51 min
